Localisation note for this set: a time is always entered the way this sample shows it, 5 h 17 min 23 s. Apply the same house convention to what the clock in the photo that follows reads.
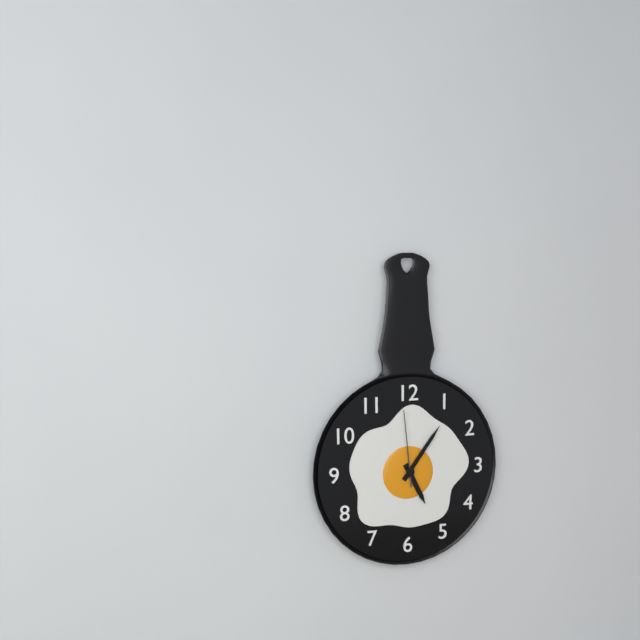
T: 5 h 06 min 59 s
